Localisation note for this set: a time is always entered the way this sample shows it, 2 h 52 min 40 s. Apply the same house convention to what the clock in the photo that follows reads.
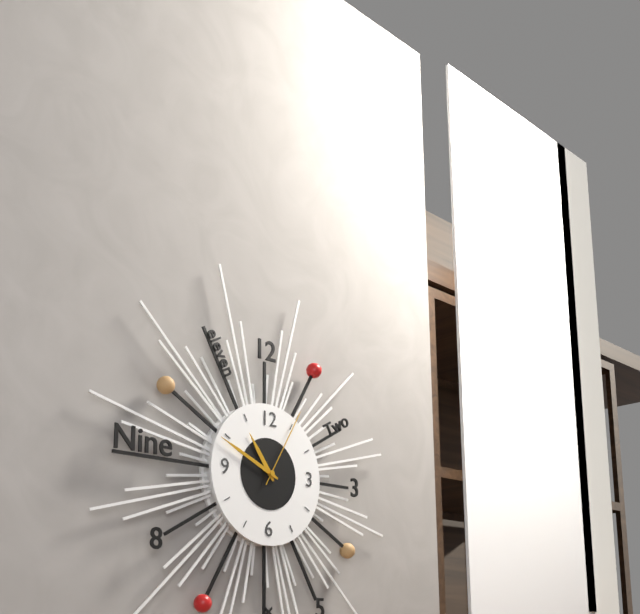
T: 10 h 49 min 05 s
